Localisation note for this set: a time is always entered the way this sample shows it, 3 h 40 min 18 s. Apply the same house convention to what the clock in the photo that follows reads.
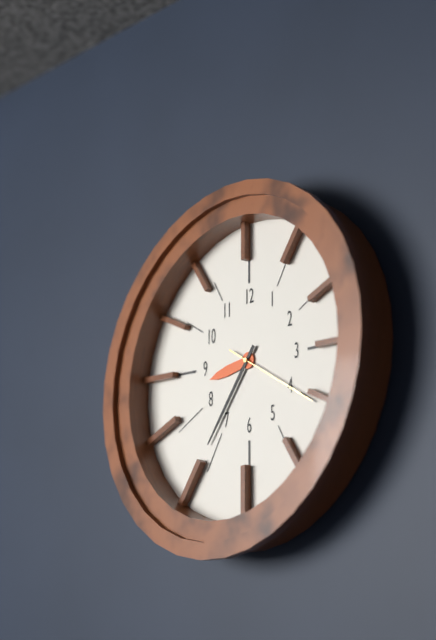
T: 8 h 36 min 20 s
